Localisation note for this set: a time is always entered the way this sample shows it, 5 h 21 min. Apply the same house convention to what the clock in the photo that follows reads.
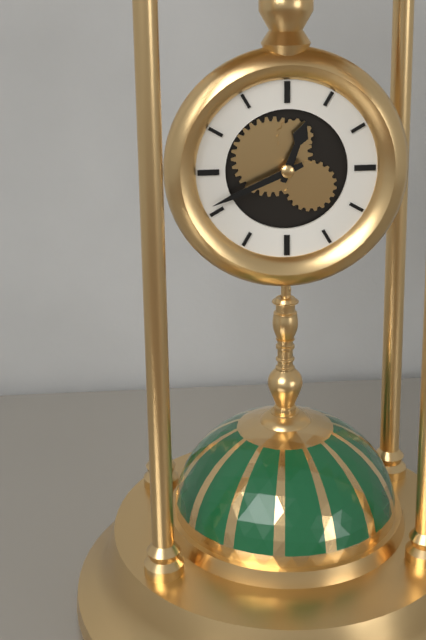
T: 12 h 41 min
